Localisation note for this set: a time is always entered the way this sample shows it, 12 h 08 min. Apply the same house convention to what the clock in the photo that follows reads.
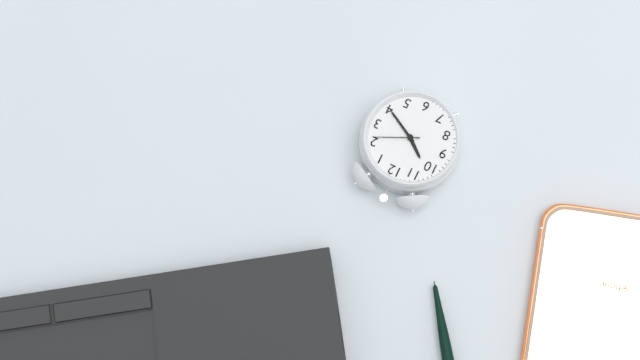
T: 10 h 20 min
